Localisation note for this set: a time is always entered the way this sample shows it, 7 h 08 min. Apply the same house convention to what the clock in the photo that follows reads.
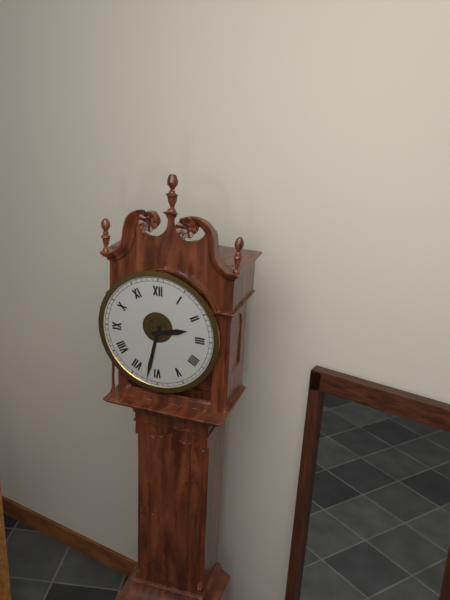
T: 2 h 32 min
